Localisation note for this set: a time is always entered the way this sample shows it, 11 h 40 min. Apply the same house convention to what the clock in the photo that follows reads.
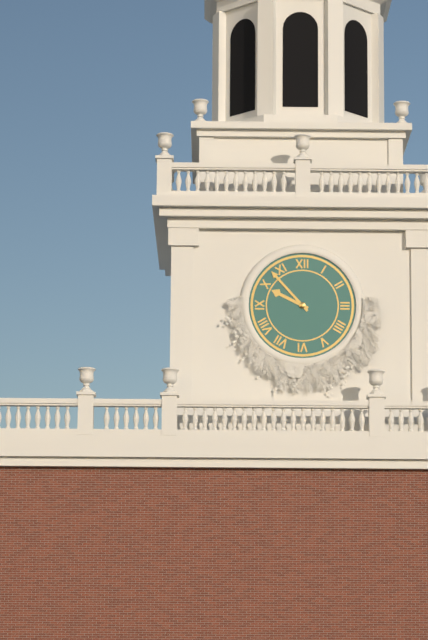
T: 9 h 53 min
